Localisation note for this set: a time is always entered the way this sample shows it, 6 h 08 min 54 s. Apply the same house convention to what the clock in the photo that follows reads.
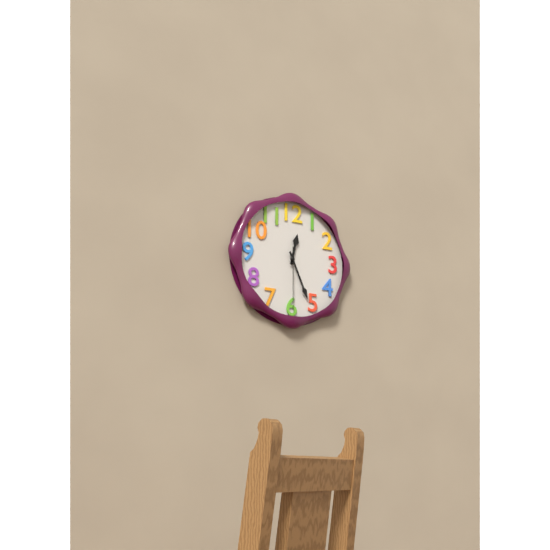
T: 12 h 26 min 30 s
